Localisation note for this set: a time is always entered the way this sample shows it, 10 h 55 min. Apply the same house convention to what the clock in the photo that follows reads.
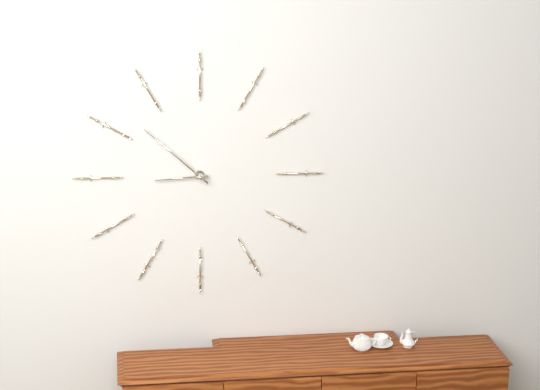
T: 8 h 52 min
